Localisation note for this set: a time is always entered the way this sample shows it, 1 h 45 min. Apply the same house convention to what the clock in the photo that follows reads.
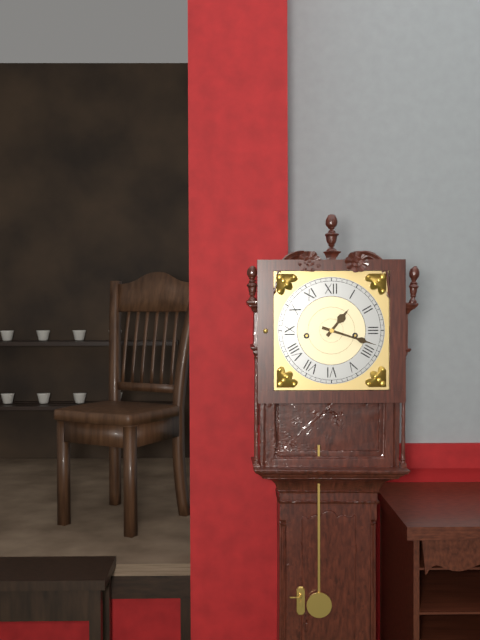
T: 1 h 18 min
